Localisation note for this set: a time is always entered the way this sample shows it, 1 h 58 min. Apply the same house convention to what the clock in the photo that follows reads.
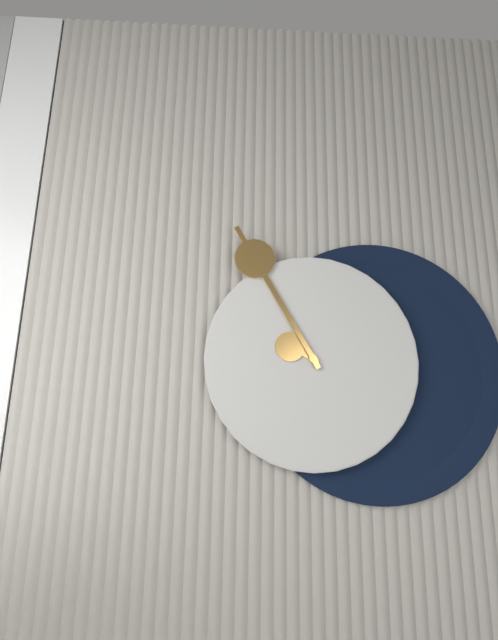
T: 9 h 55 min
